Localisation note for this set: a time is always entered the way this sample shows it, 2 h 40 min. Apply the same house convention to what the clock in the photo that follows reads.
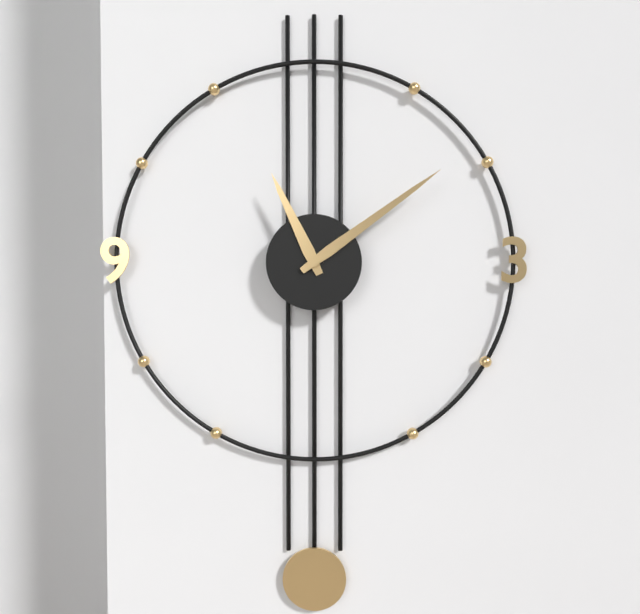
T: 11 h 09 min
